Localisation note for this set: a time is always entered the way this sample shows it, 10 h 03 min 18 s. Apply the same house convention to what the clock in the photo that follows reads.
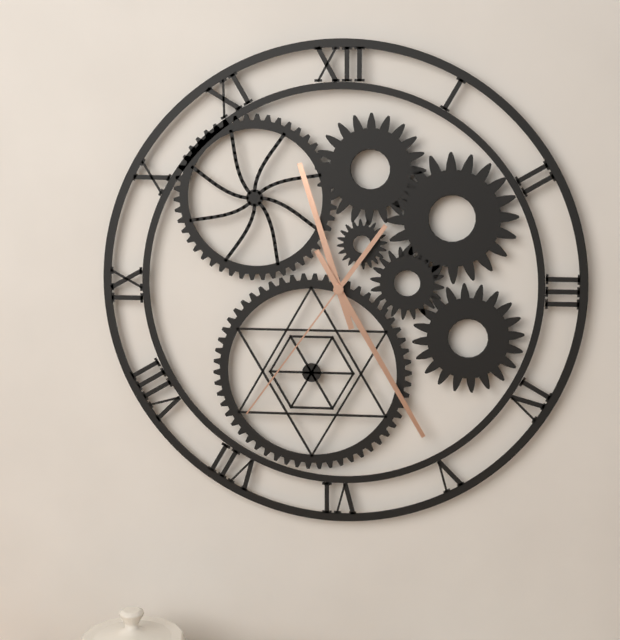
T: 11 h 25 min 36 s
